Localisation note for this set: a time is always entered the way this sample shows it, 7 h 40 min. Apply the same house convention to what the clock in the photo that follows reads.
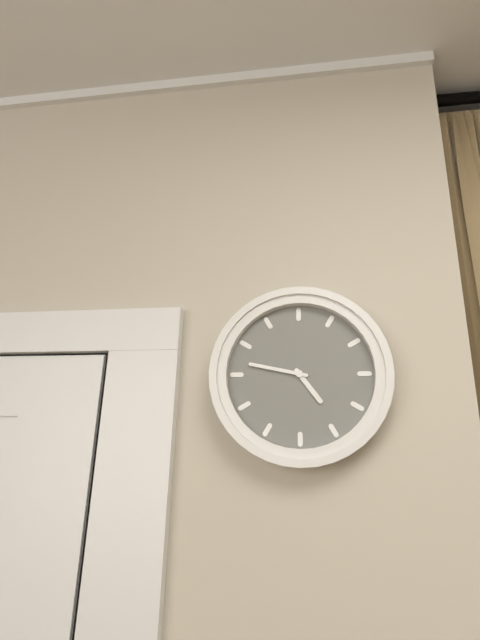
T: 4 h 47 min
